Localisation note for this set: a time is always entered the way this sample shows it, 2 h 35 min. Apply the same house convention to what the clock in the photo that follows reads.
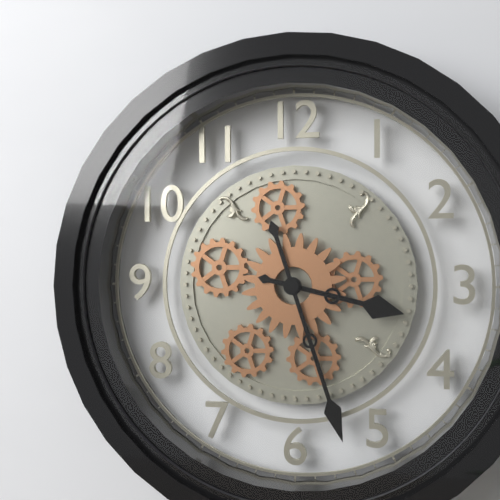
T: 3 h 27 min
